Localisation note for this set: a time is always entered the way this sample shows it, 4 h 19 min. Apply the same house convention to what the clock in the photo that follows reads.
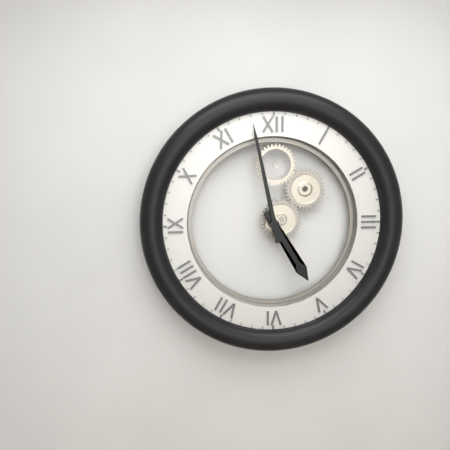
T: 4 h 58 min
